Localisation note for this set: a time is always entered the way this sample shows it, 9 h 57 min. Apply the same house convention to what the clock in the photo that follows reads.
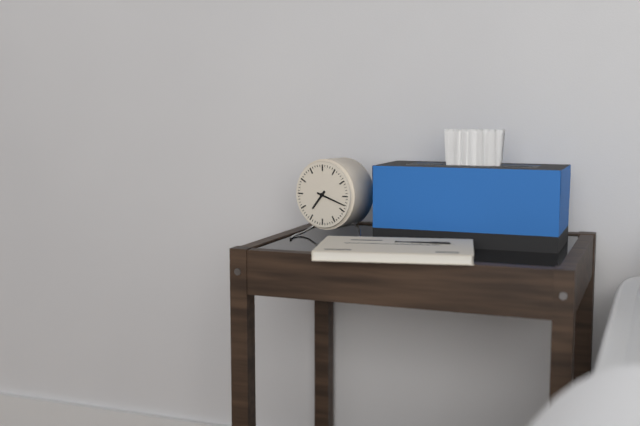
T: 7 h 18 min
